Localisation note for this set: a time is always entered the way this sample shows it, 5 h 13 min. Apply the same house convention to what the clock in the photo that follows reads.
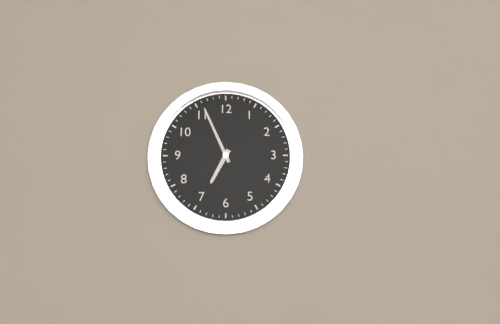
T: 6 h 56 min
